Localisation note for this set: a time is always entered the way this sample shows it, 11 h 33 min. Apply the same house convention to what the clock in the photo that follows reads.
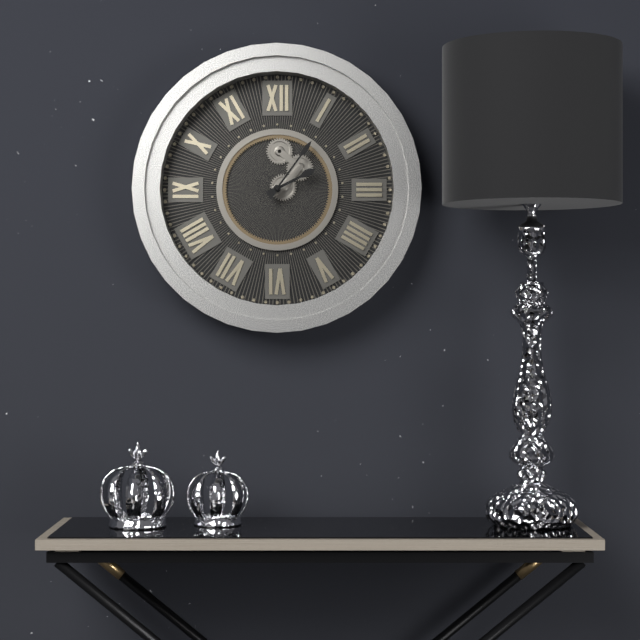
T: 2 h 06 min
